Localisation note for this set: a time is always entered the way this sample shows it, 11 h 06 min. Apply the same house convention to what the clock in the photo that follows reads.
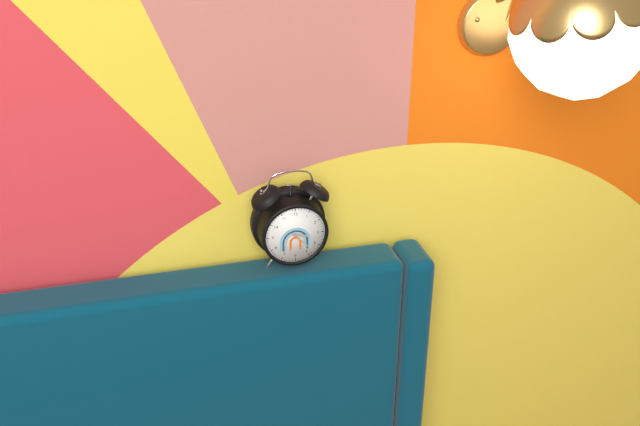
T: 3 h 23 min
